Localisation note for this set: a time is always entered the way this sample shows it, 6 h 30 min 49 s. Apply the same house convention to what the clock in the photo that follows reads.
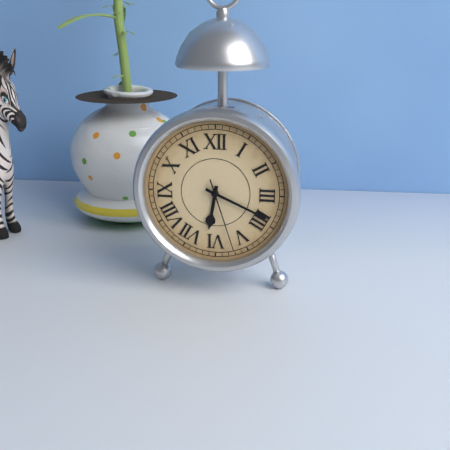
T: 6 h 19 min 27 s
